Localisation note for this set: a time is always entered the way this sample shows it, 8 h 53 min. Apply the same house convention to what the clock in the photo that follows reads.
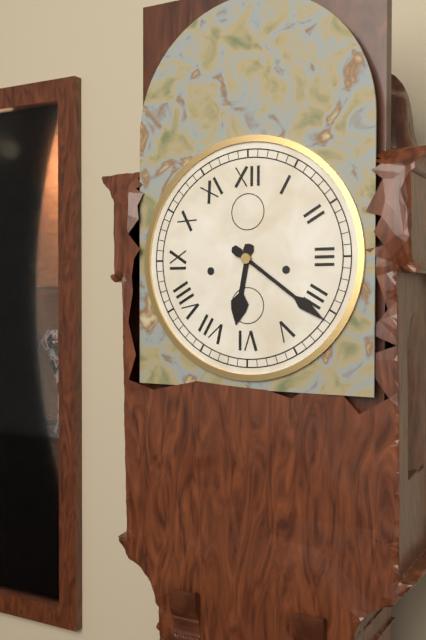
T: 6 h 21 min
